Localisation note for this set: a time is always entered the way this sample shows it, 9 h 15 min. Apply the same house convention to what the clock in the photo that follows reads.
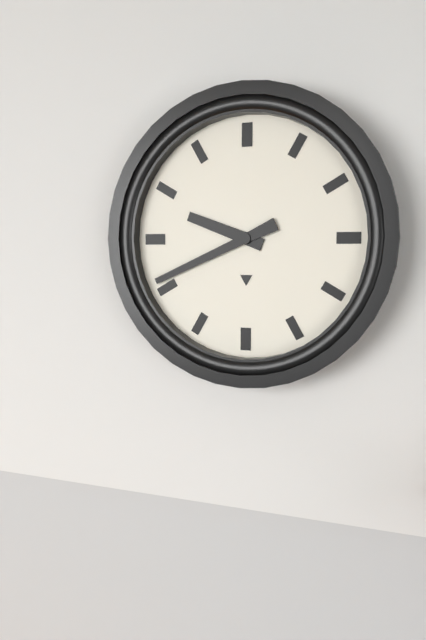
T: 9 h 41 min
